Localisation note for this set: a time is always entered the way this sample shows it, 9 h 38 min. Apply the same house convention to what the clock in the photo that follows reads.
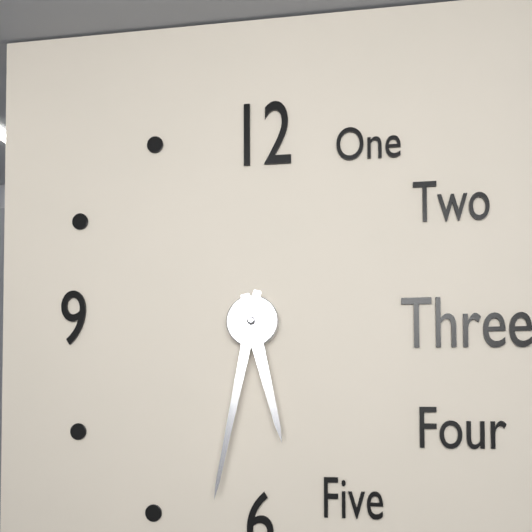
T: 5 h 32 min
